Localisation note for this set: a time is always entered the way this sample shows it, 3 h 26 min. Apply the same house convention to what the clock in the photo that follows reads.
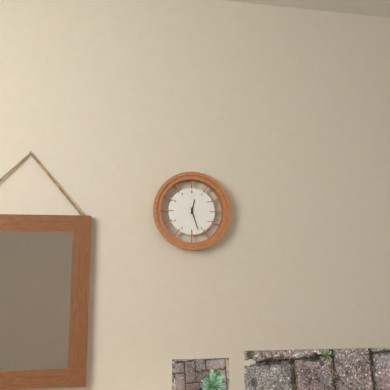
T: 12 h 27 min
